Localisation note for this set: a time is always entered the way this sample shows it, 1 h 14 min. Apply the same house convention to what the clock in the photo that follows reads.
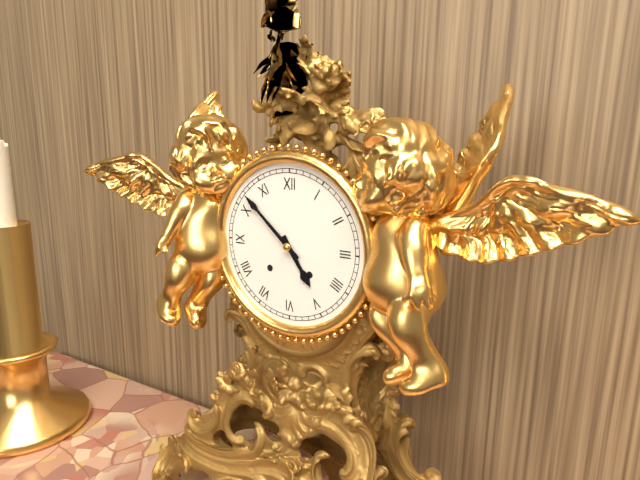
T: 4 h 52 min
